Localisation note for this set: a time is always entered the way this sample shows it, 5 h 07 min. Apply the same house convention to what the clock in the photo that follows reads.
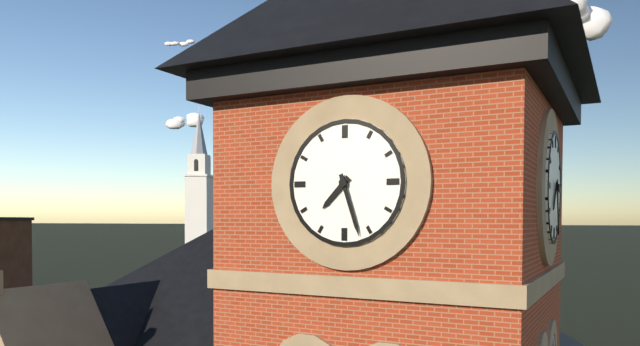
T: 7 h 27 min
